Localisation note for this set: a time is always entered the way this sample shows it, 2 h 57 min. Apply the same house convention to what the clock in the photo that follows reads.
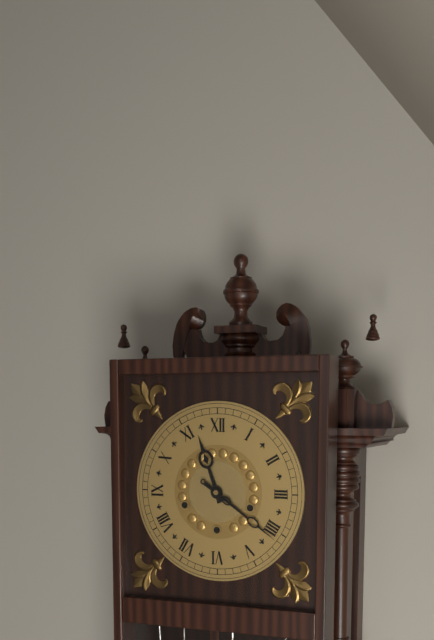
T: 11 h 21 min
